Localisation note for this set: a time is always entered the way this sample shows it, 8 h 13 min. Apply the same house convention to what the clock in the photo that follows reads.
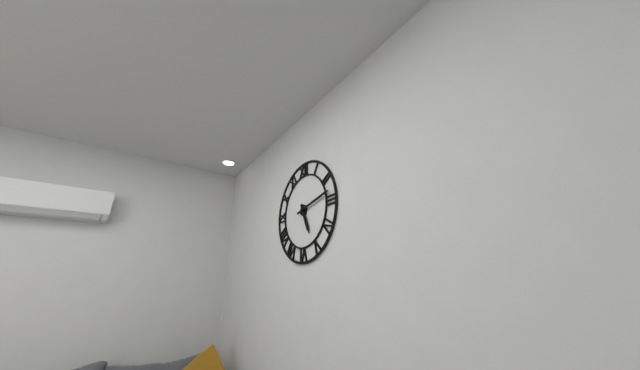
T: 5 h 13 min
